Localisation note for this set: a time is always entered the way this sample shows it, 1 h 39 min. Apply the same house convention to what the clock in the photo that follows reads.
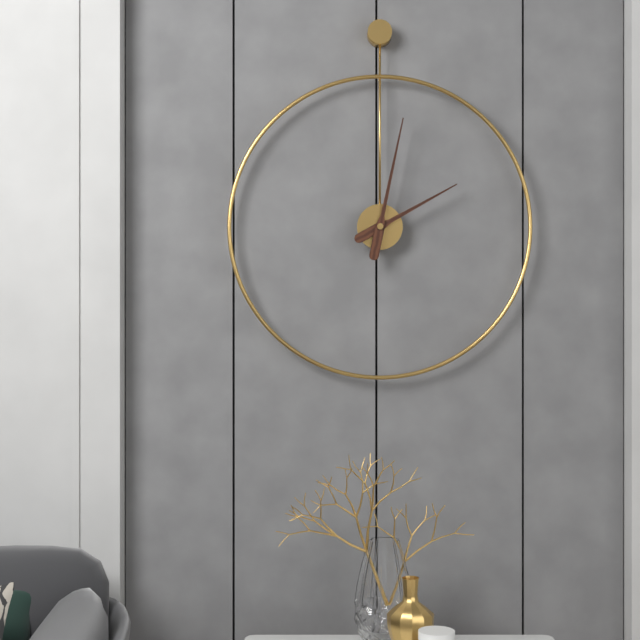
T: 2 h 02 min
